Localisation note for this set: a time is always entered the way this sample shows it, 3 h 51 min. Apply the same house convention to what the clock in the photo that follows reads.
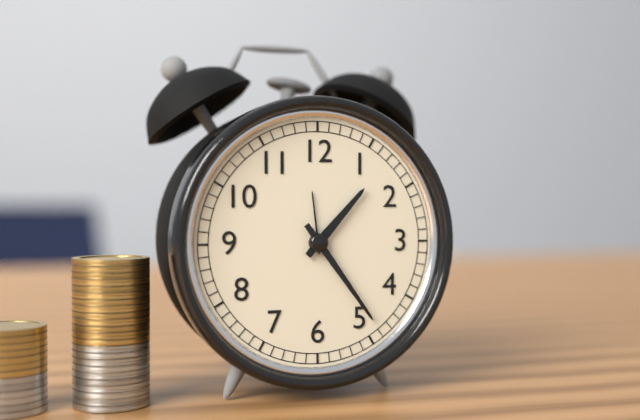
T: 1 h 24 min
